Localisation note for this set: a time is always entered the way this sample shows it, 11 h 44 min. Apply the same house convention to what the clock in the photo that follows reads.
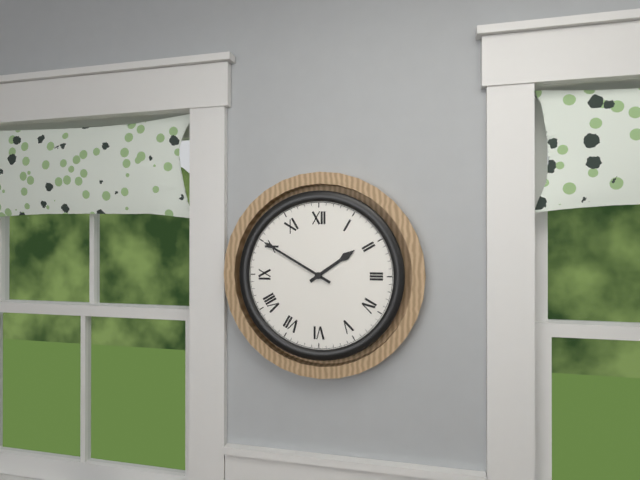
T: 1 h 50 min
